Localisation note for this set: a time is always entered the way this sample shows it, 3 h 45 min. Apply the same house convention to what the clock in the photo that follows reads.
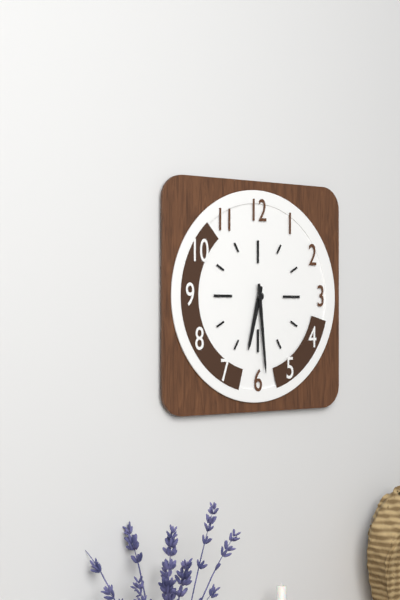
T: 6 h 29 min
